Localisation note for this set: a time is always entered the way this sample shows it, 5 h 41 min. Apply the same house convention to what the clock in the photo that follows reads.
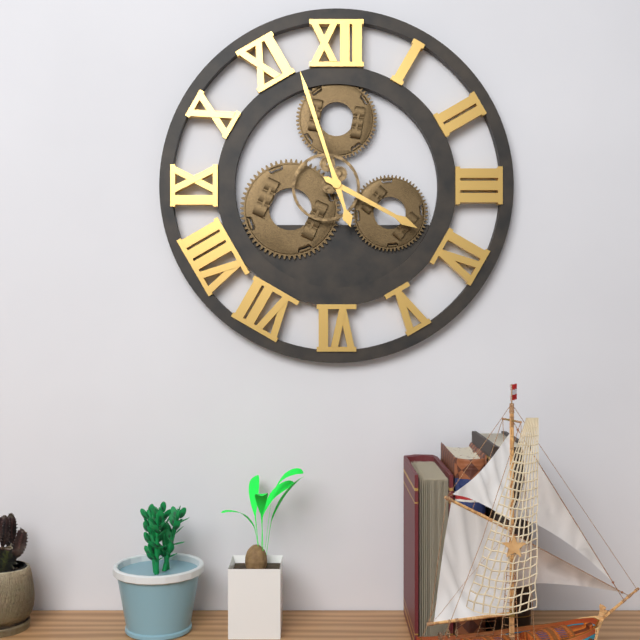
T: 3 h 57 min
